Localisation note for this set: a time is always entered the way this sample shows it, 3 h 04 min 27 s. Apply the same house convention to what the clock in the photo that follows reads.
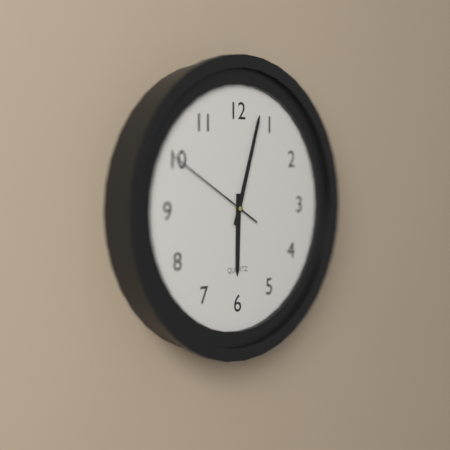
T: 6 h 03 min 50 s
